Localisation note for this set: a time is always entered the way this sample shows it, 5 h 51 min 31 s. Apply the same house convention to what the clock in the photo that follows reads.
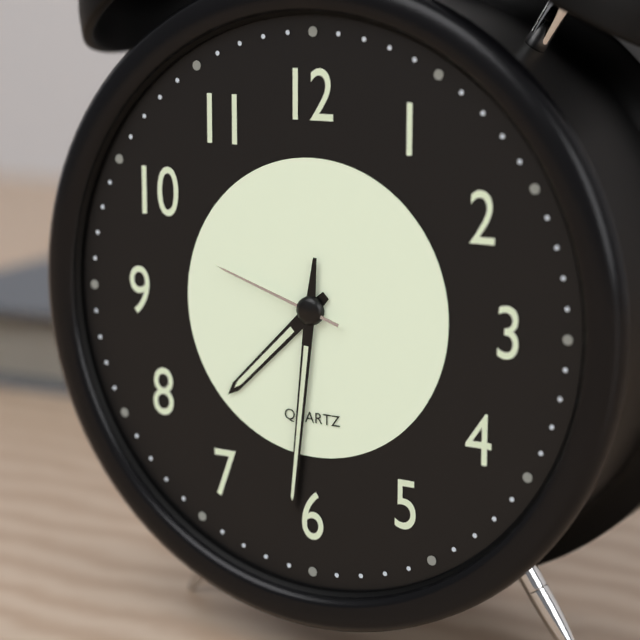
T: 7 h 31 min 48 s
